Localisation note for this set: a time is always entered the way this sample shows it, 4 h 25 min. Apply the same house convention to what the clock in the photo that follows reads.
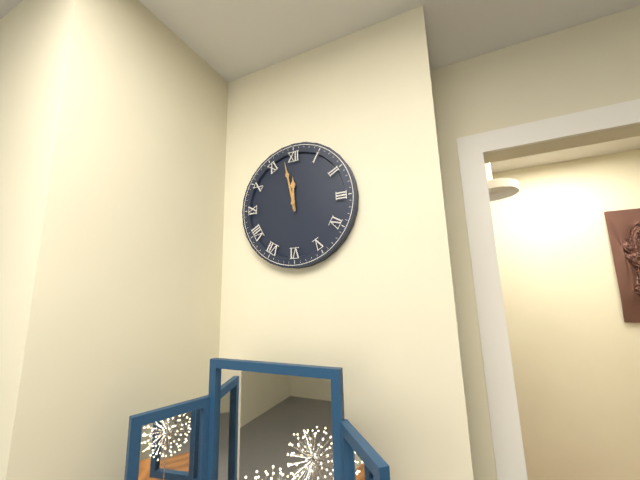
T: 11 h 58 min
